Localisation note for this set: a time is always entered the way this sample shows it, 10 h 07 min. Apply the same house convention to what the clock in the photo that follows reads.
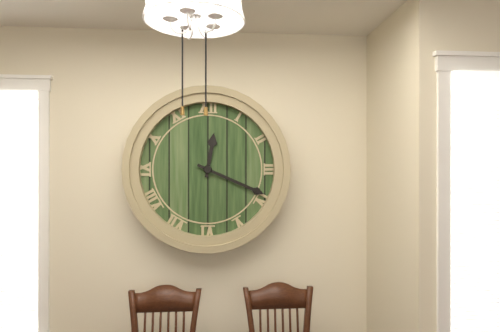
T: 12 h 19 min
